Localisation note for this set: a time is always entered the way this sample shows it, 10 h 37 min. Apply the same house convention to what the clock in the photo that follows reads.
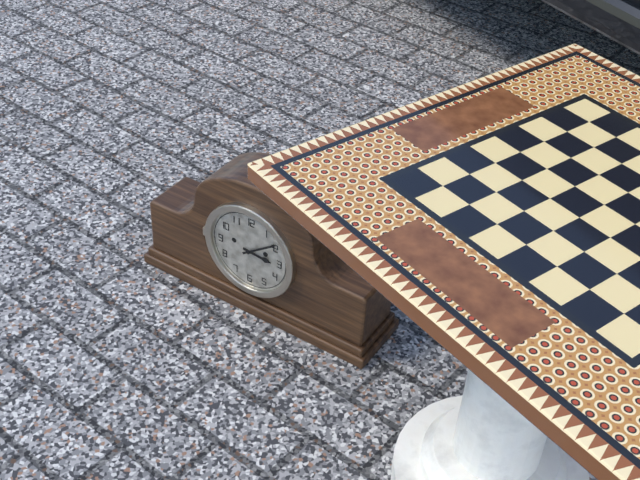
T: 3 h 09 min
